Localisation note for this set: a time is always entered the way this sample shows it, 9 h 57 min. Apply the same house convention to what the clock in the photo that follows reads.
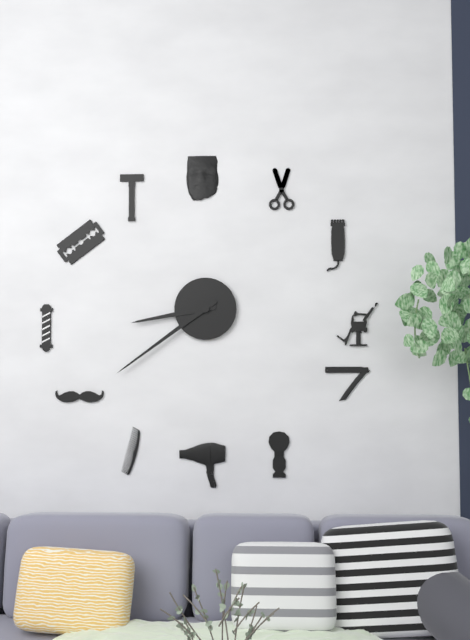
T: 8 h 39 min
